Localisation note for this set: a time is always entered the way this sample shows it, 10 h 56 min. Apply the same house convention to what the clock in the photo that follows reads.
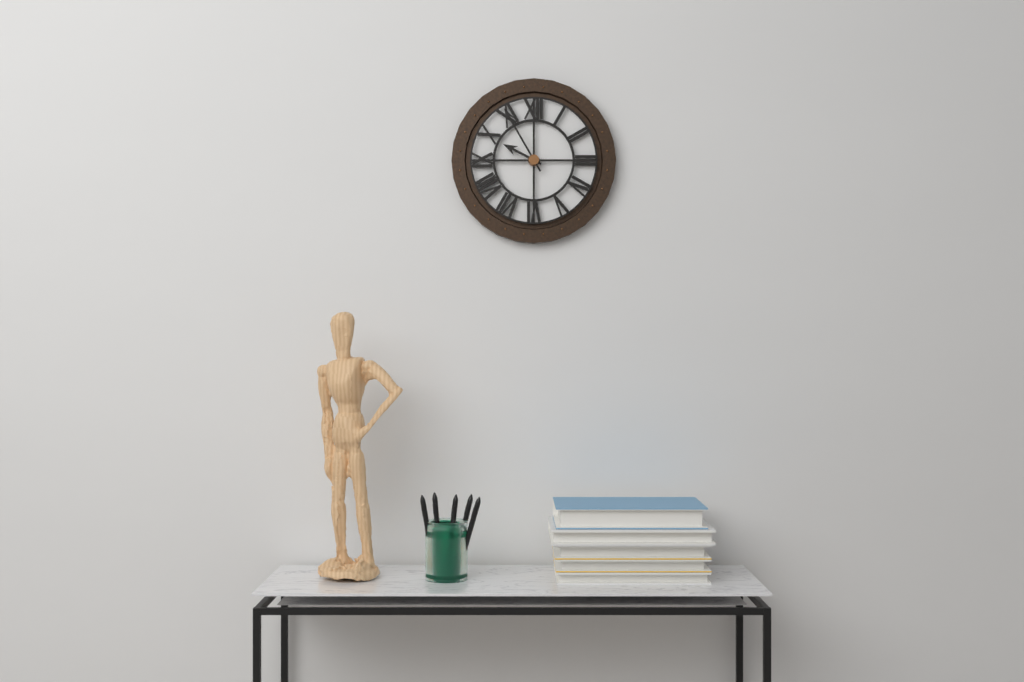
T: 9 h 55 min
